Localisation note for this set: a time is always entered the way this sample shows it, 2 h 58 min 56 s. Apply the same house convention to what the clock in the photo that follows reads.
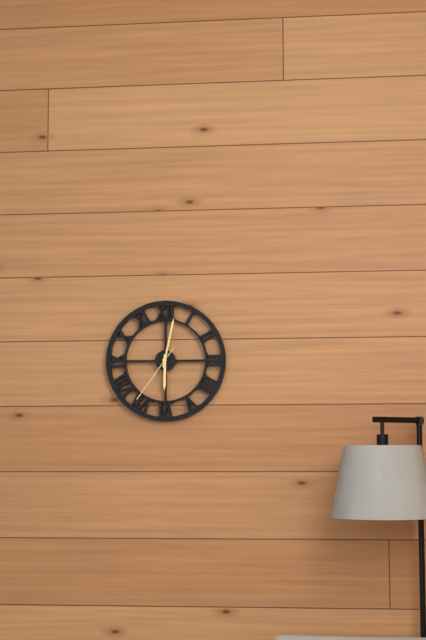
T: 6 h 02 min 36 s
